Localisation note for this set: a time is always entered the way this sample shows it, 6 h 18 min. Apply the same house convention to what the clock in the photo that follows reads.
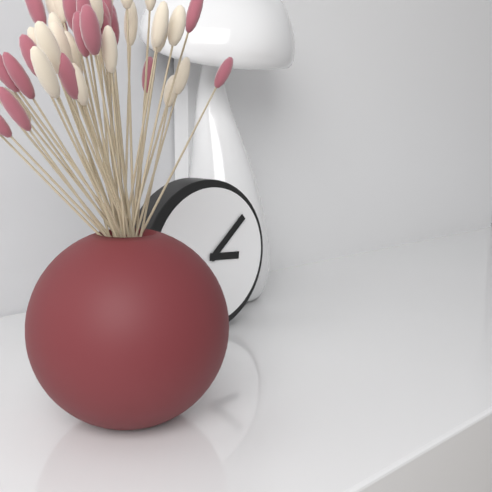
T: 3 h 08 min
